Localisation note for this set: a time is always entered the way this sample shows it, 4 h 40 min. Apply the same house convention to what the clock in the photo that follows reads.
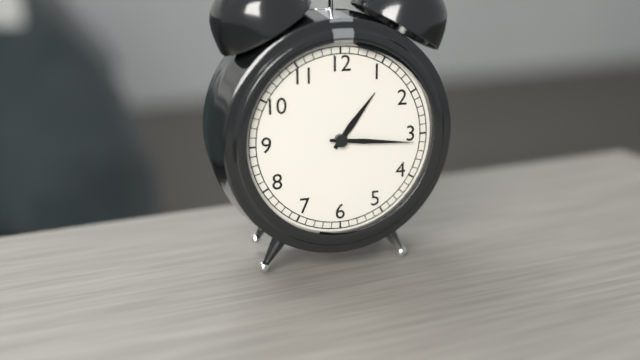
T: 1 h 16 min
